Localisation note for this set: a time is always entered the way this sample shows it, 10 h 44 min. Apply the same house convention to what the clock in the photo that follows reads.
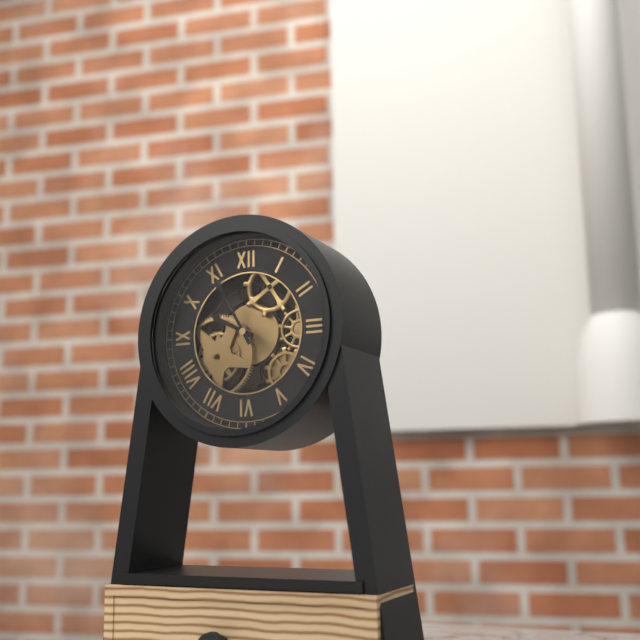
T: 9 h 55 min
